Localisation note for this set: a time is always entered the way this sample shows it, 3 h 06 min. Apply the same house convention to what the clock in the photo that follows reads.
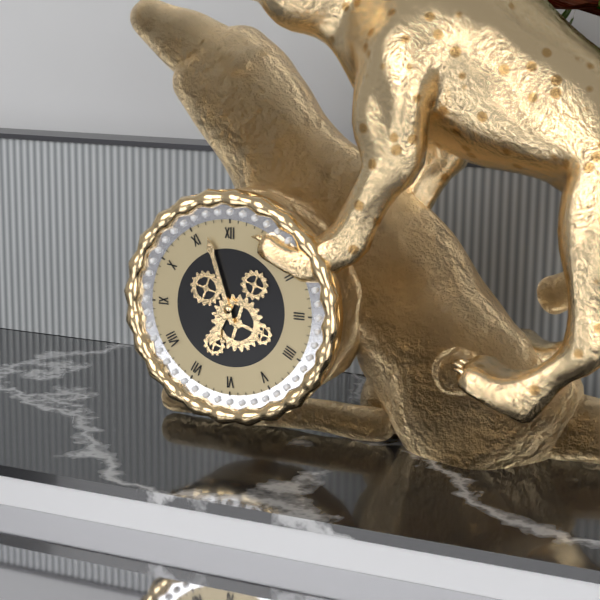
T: 6 h 57 min
